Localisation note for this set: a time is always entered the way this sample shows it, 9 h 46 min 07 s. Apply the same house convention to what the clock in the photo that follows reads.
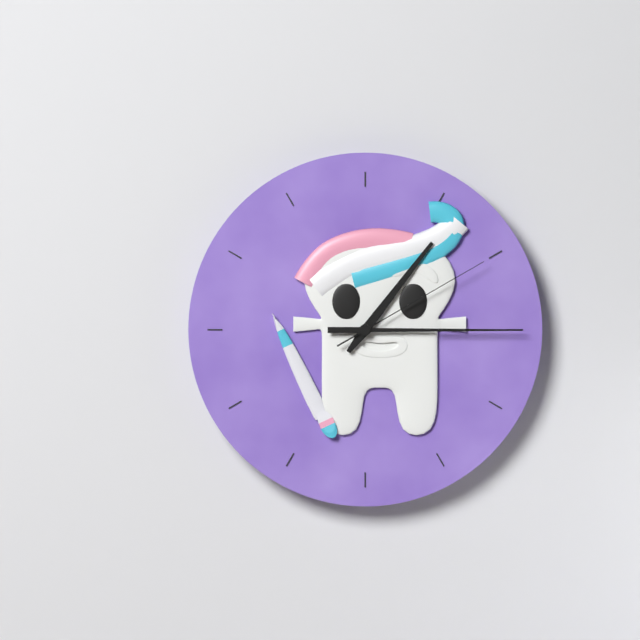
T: 1 h 15 min 10 s
